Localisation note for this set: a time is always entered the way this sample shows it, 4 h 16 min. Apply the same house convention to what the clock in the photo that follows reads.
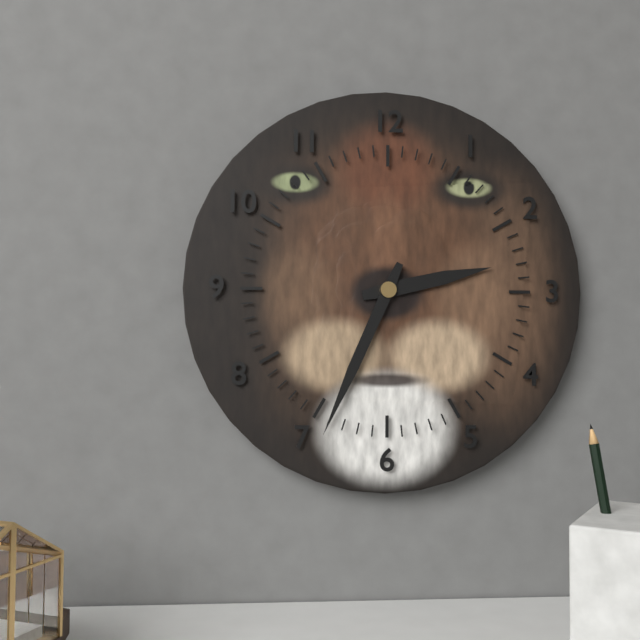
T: 2 h 34 min
